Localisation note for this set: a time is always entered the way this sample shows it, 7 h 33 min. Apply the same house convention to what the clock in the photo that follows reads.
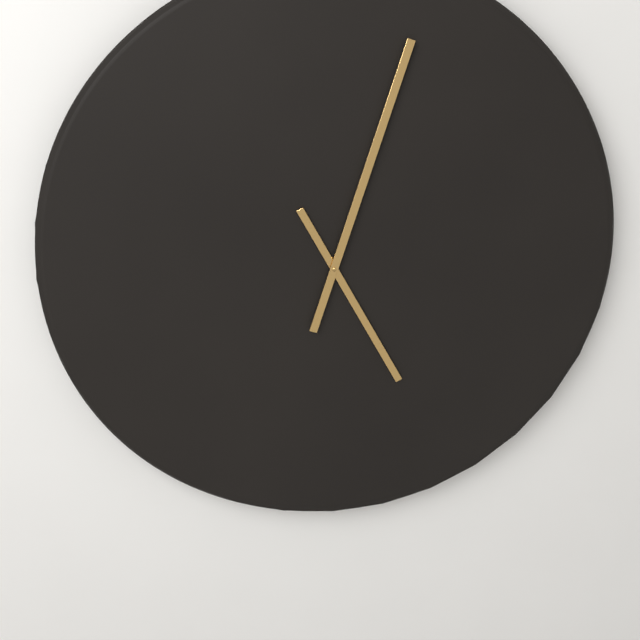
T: 5 h 03 min
